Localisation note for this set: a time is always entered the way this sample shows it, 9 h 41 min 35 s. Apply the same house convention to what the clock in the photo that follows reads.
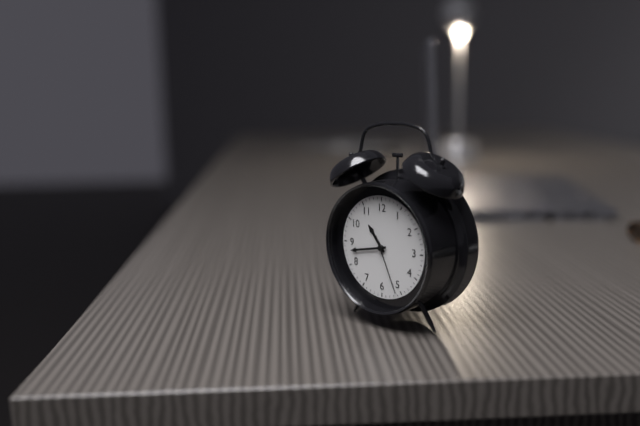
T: 10 h 43 min 26 s
